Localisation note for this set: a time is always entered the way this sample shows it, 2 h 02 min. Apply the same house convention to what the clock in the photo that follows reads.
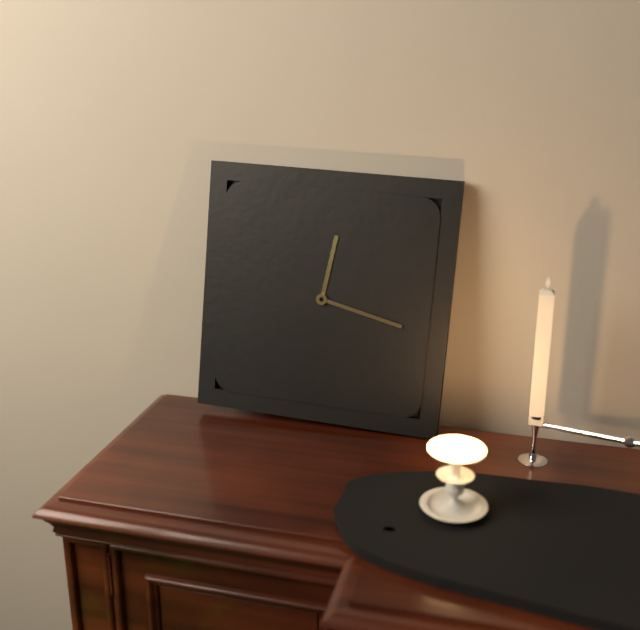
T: 12 h 17 min
